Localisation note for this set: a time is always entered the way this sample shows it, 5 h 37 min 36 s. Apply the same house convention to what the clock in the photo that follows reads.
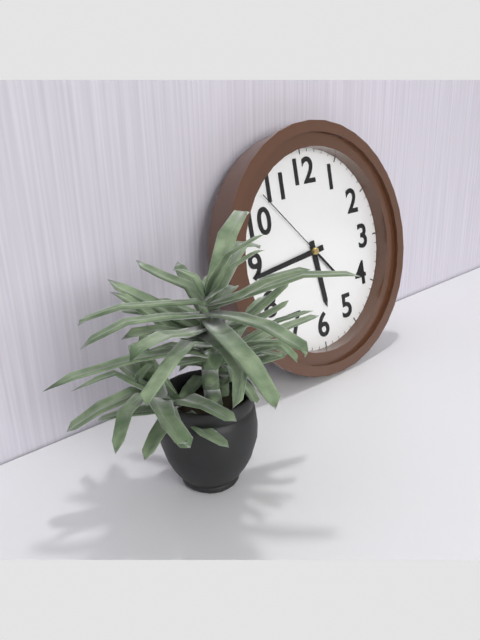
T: 5 h 44 min 53 s
